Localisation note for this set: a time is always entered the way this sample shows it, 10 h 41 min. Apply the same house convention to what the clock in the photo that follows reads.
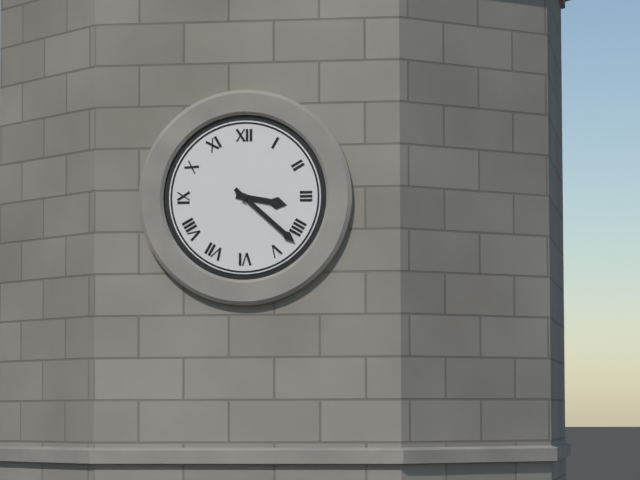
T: 3 h 22 min
